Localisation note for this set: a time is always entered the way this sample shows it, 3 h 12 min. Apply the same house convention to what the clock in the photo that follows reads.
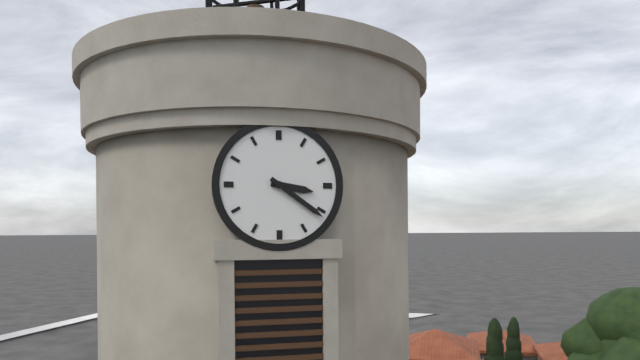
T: 3 h 21 min
